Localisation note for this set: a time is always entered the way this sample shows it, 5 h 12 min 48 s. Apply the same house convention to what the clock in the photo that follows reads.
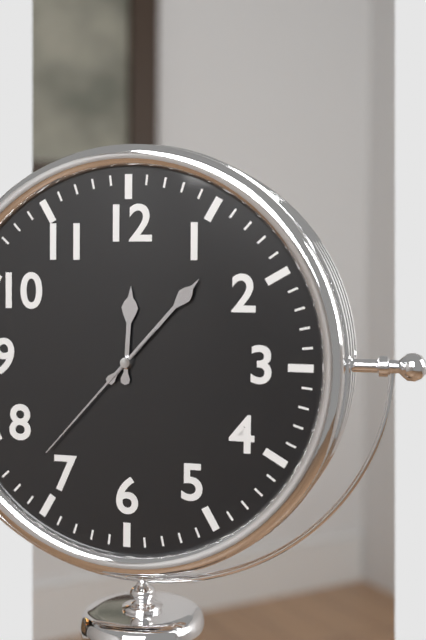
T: 12 h 07 min 37 s
